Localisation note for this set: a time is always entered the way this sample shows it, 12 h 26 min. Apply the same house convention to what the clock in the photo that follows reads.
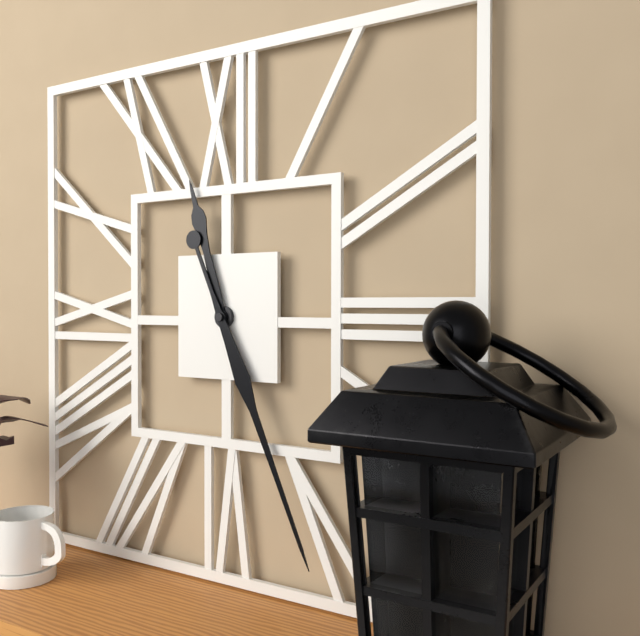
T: 11 h 26 min
